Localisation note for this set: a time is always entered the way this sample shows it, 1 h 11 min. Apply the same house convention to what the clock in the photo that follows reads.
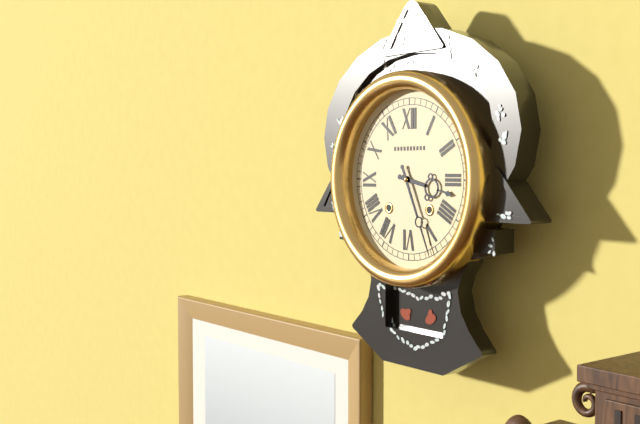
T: 3 h 26 min
